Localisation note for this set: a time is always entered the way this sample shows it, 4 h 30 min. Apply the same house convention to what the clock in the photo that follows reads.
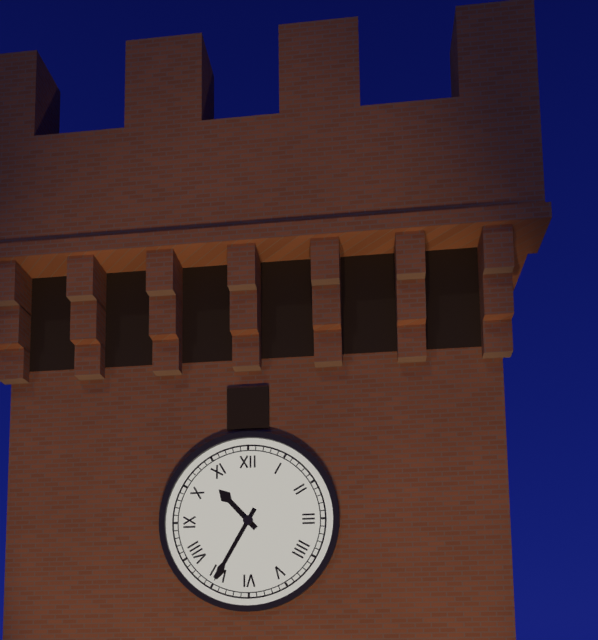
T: 10 h 35 min
